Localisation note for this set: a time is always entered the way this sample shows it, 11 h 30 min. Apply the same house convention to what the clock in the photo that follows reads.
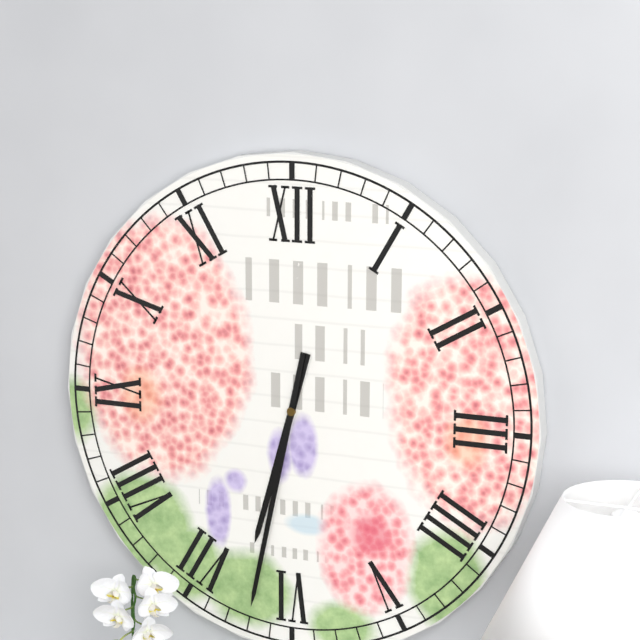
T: 6 h 32 min
